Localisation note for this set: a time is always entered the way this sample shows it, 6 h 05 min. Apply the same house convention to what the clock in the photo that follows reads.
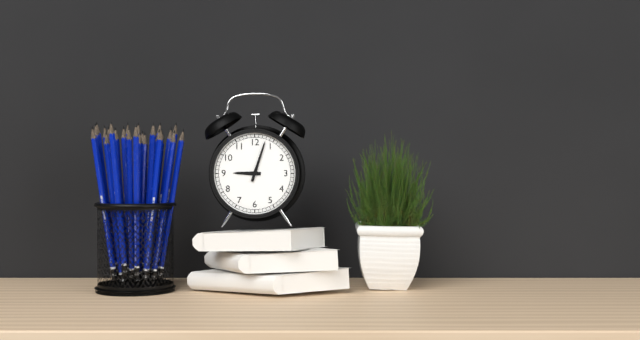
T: 9 h 03 min
